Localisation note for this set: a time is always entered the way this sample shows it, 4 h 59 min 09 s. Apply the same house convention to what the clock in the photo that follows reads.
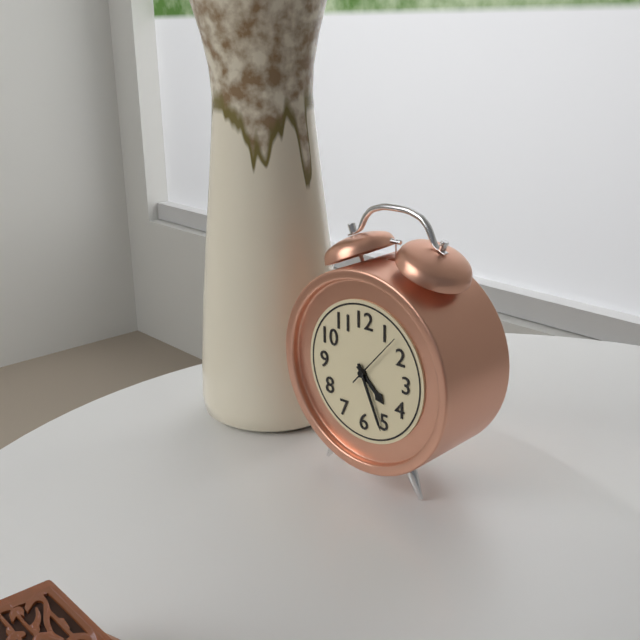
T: 4 h 26 min 07 s
